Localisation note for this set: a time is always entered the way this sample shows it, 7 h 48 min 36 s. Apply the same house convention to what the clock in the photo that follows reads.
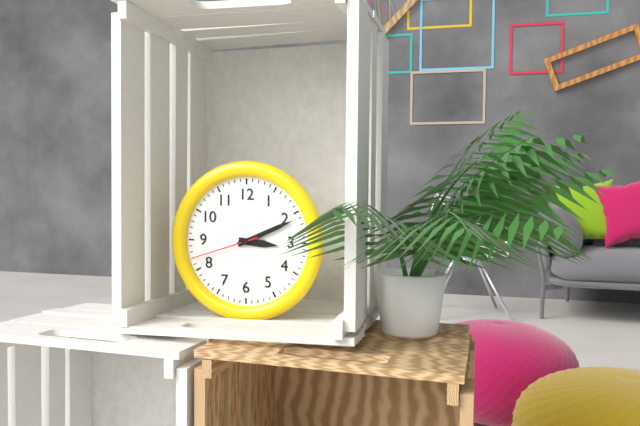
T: 3 h 11 min 42 s
